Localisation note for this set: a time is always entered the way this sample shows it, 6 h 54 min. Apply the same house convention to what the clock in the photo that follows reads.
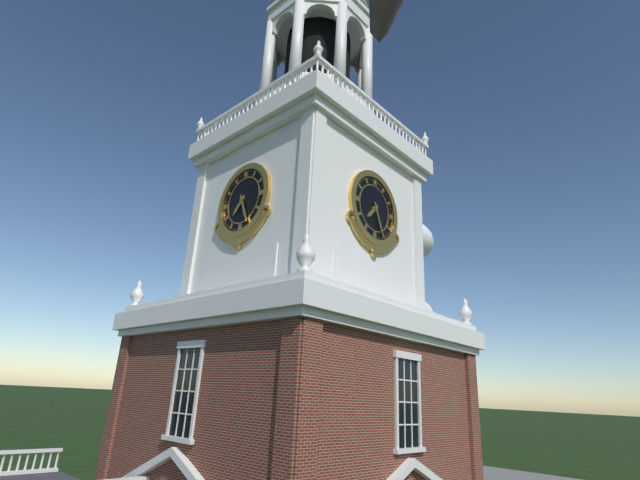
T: 7 h 26 min
